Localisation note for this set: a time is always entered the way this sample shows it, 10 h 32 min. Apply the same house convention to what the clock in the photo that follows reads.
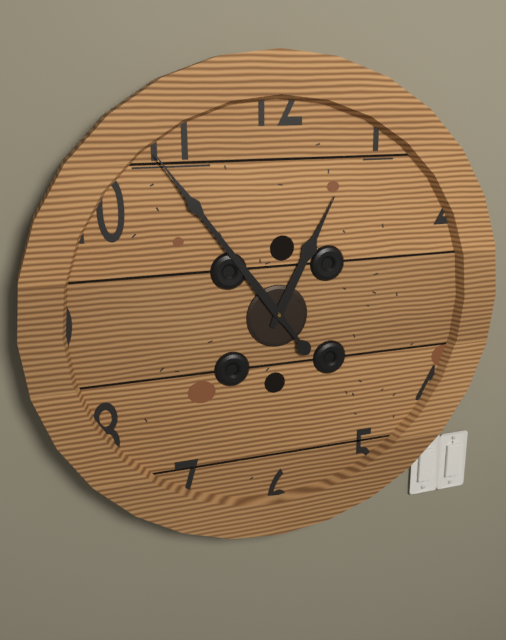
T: 12 h 54 min
